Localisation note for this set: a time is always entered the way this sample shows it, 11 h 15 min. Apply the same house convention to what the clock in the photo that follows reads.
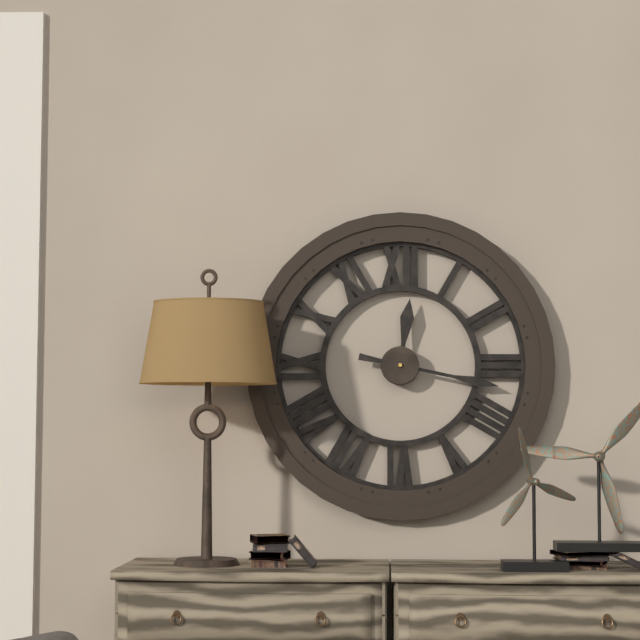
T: 12 h 17 min
